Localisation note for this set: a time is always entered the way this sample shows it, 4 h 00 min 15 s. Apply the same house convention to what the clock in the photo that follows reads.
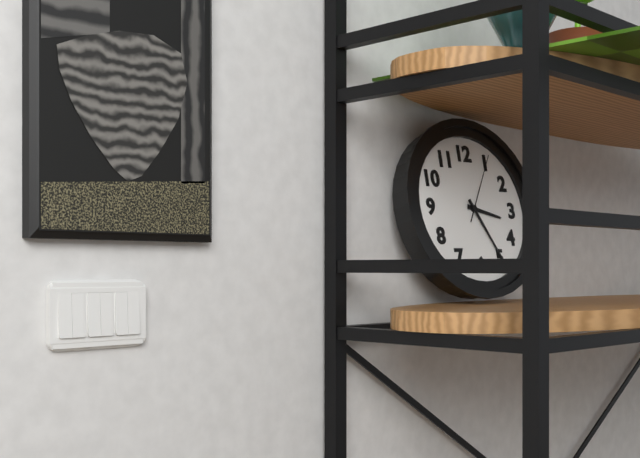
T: 3 h 25 min 05 s
